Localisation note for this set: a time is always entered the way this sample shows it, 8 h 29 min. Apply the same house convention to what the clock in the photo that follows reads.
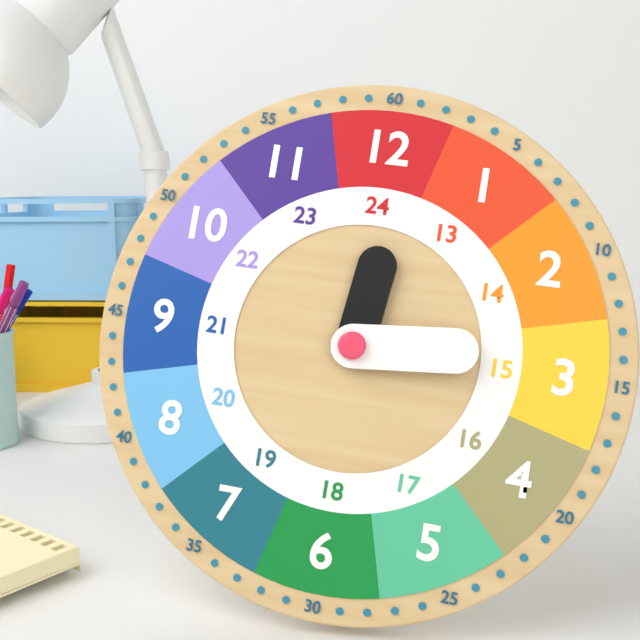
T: 12 h 14 min
